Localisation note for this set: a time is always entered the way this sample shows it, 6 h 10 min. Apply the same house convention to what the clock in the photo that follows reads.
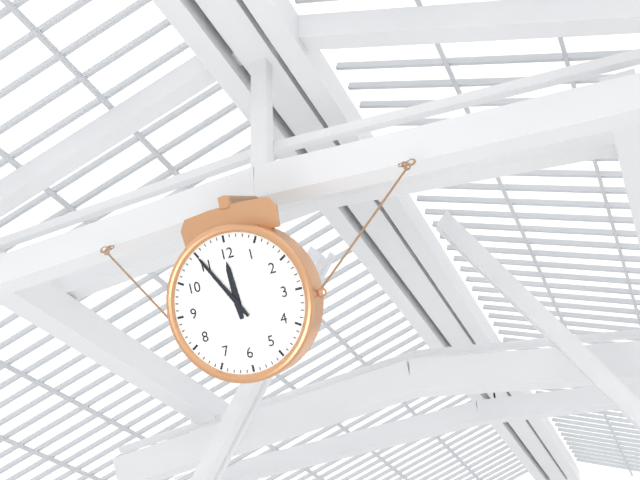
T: 11 h 55 min
